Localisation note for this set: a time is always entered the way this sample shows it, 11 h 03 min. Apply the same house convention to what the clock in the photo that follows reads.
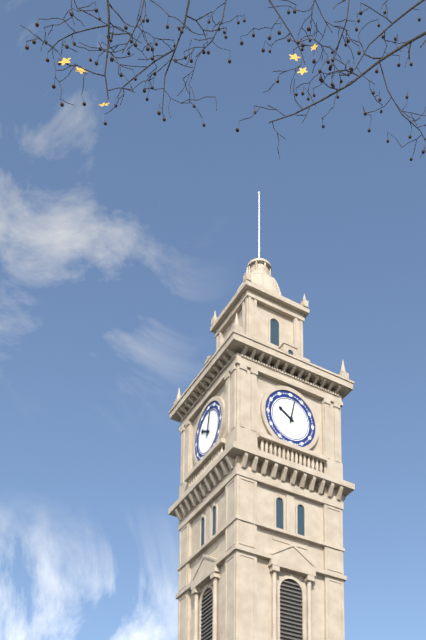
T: 10 h 02 min
